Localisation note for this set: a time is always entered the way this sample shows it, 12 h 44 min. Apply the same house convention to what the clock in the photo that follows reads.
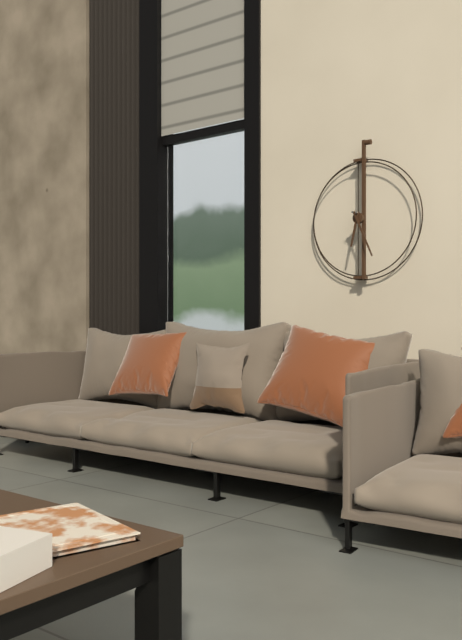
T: 6 h 26 min
